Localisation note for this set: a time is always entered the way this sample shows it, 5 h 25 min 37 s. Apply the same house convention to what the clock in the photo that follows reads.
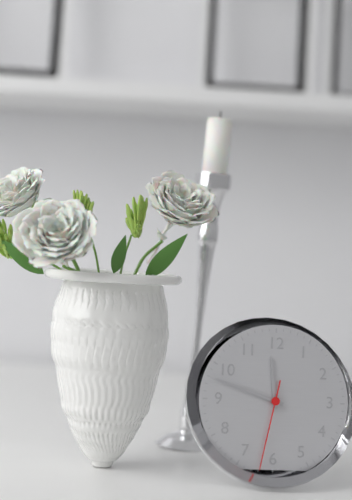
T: 11 h 48 min 32 s
